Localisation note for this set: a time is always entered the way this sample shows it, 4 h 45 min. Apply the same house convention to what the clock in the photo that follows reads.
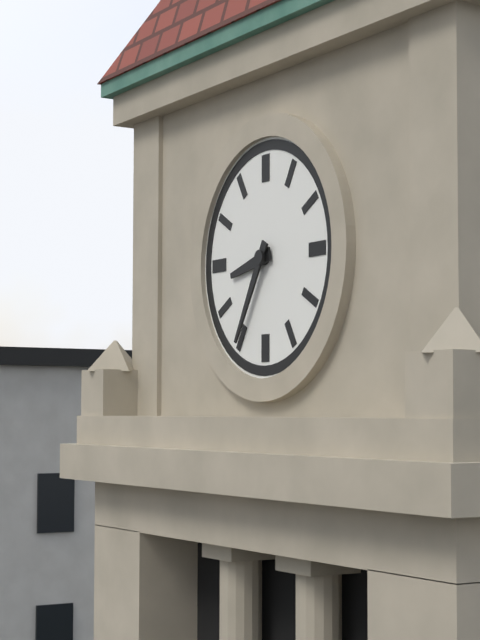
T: 8 h 35 min
